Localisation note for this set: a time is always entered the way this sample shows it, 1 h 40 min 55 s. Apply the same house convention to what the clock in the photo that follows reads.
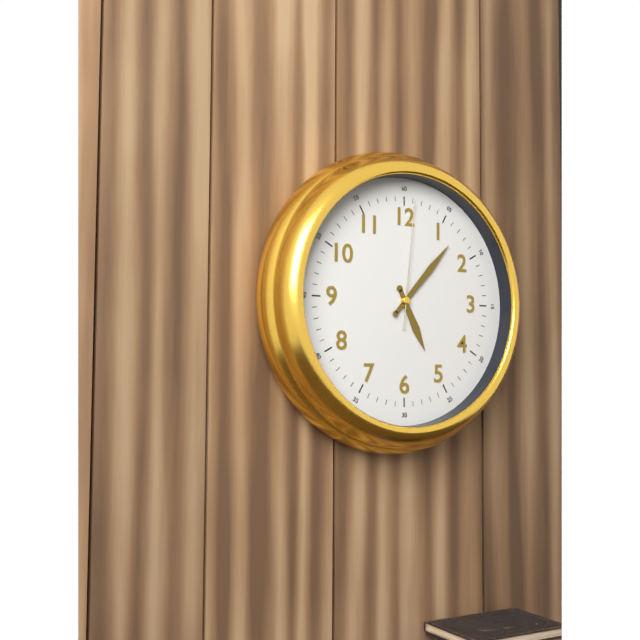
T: 5 h 07 min 01 s
